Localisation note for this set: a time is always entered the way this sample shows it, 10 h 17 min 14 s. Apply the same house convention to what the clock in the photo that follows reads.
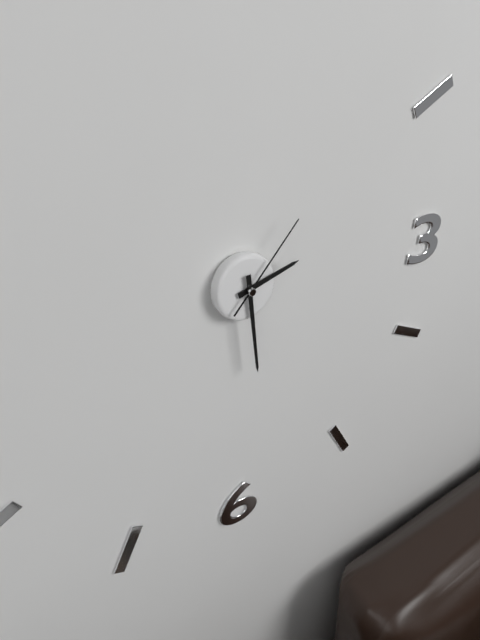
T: 2 h 29 min 07 s
